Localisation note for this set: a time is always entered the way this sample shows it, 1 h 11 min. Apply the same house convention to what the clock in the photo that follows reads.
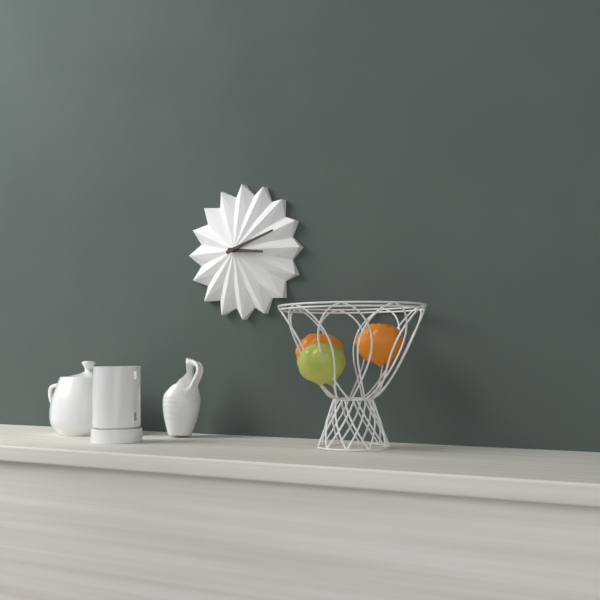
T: 3 h 12 min
